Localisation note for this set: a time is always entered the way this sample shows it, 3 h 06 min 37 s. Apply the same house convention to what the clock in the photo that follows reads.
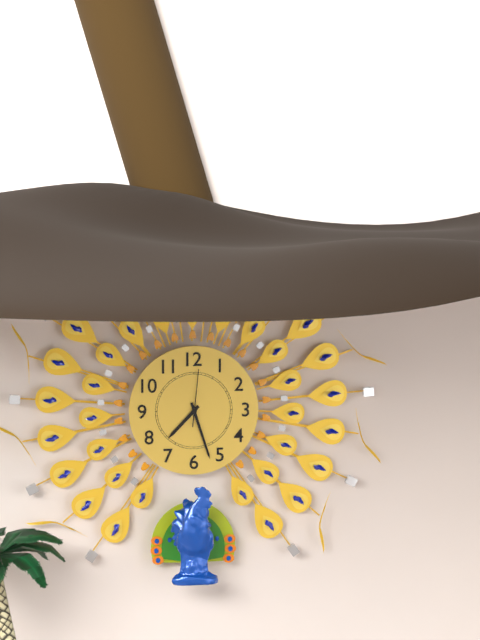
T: 7 h 27 min 01 s
